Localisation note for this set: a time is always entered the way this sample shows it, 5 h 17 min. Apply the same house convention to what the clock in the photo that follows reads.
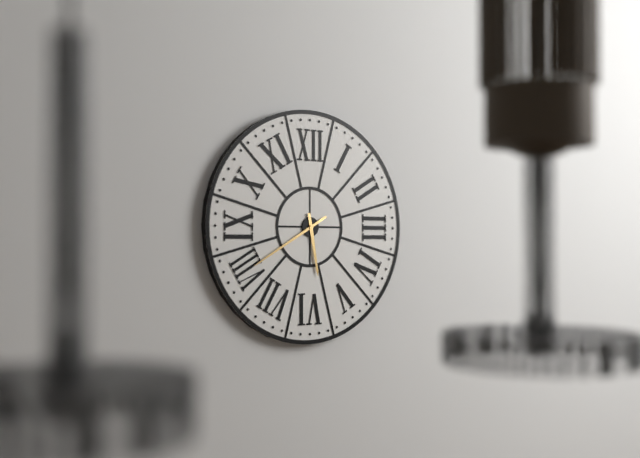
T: 5 h 40 min
